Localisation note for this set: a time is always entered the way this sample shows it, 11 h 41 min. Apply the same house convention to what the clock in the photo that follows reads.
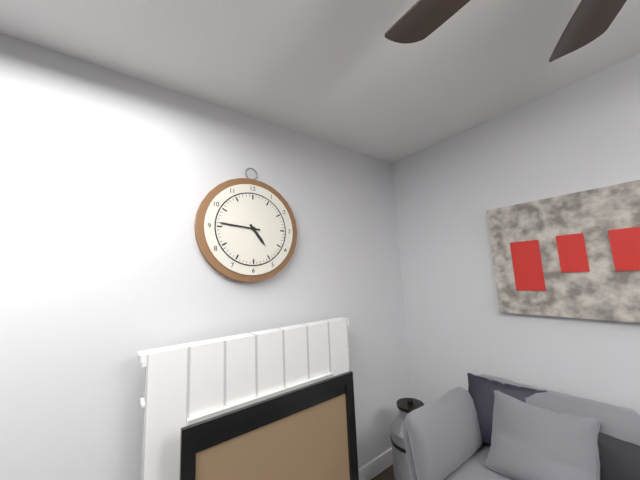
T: 4 h 46 min
